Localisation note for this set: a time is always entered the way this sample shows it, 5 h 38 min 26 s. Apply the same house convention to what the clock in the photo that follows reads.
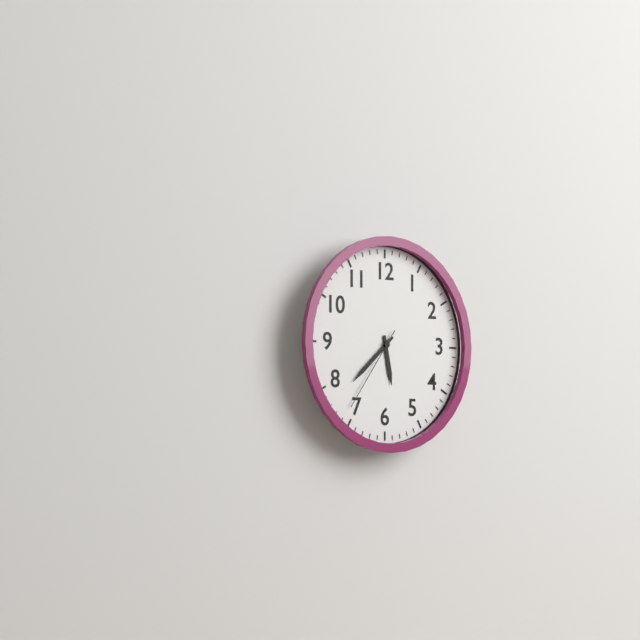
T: 5 h 38 min 36 s
